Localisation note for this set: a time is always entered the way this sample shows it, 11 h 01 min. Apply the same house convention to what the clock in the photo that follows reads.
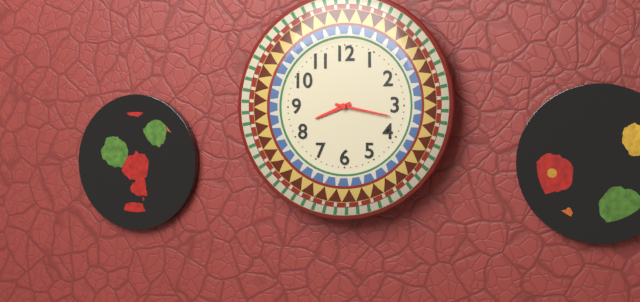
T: 8 h 17 min
